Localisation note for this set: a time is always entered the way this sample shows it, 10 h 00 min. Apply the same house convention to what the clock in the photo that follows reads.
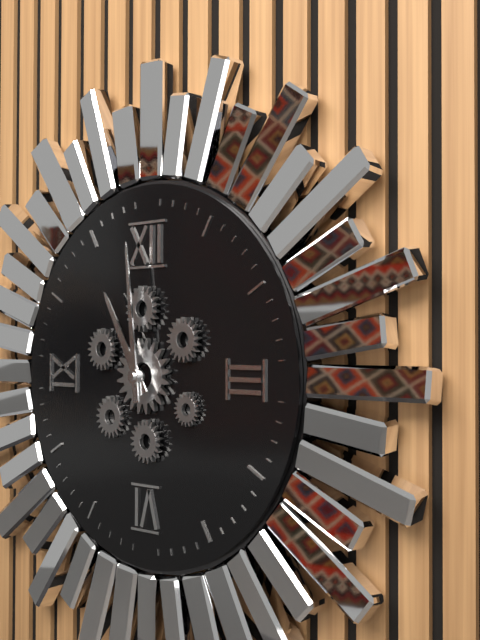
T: 10 h 59 min
